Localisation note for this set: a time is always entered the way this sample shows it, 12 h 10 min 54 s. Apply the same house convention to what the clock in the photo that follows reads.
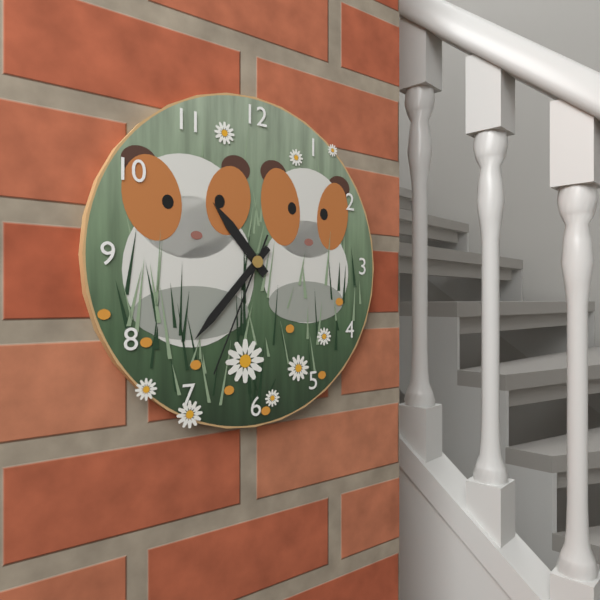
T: 10 h 37 min 34 s
